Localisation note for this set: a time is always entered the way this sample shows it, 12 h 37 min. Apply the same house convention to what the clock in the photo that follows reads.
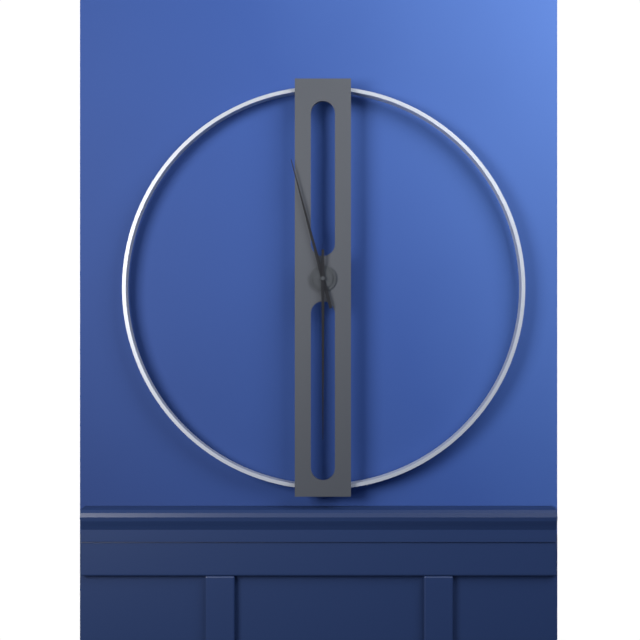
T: 11 h 30 min
